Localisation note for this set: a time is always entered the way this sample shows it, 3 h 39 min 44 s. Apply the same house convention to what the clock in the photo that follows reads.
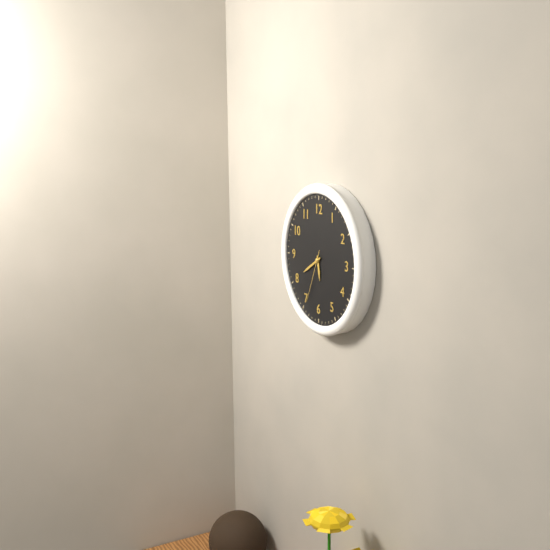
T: 5 h 40 min 34 s
